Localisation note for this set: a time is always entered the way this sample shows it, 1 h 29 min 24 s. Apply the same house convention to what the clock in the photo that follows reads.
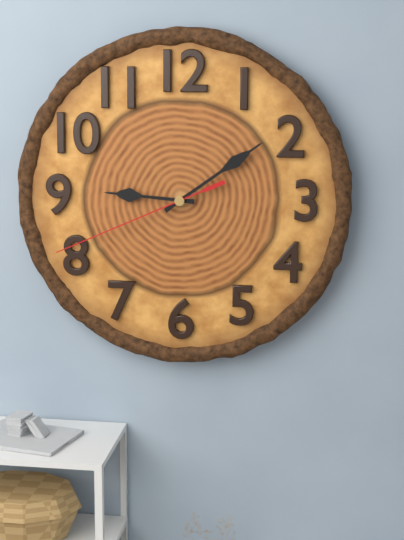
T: 9 h 09 min 41 s
